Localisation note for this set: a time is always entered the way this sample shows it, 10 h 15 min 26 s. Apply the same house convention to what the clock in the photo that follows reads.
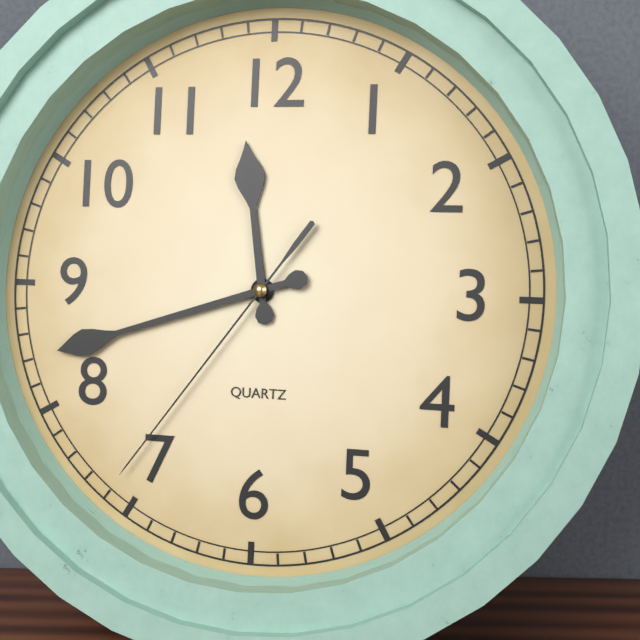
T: 11 h 42 min 36 s
